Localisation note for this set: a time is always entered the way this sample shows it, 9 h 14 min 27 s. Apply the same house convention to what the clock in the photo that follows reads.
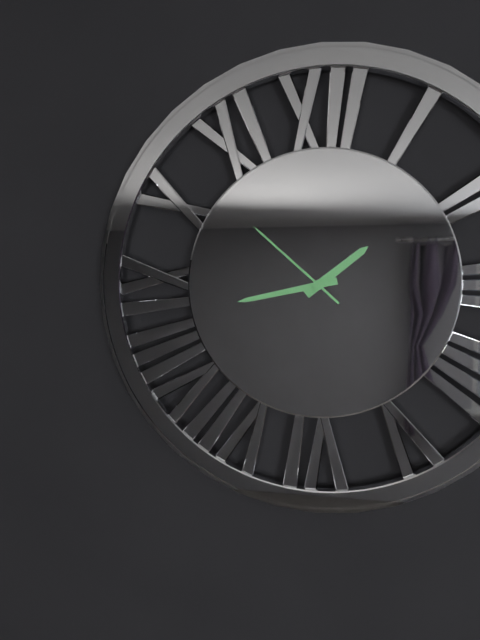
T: 1 h 43 min 52 s
